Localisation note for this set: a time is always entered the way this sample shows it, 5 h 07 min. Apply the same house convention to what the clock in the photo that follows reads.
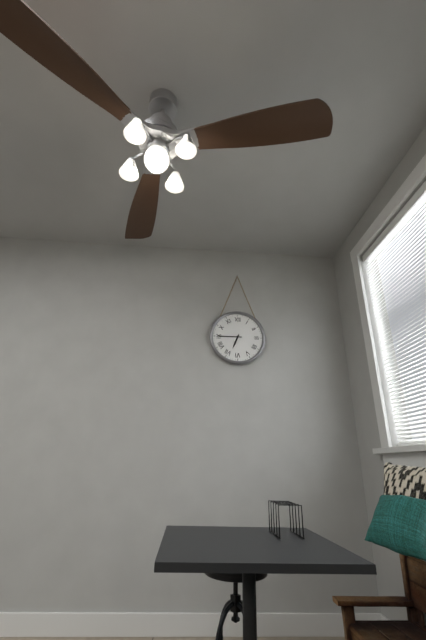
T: 6 h 45 min
